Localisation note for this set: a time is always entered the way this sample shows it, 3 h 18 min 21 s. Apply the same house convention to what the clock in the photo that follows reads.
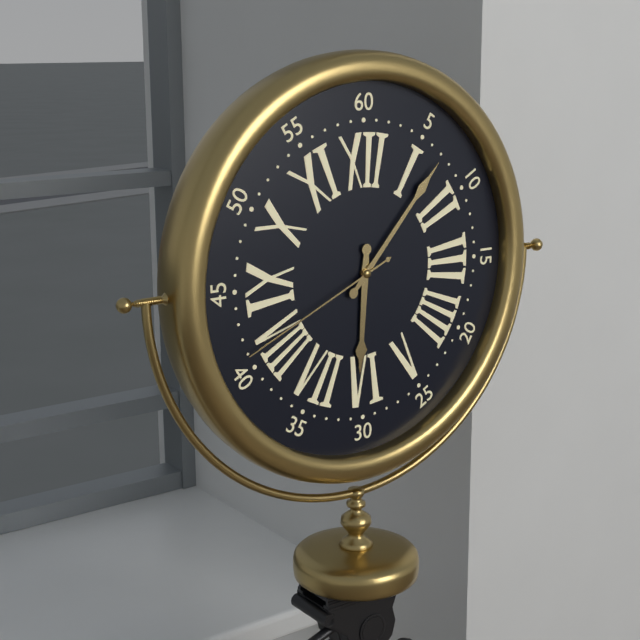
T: 6 h 07 min 41 s
